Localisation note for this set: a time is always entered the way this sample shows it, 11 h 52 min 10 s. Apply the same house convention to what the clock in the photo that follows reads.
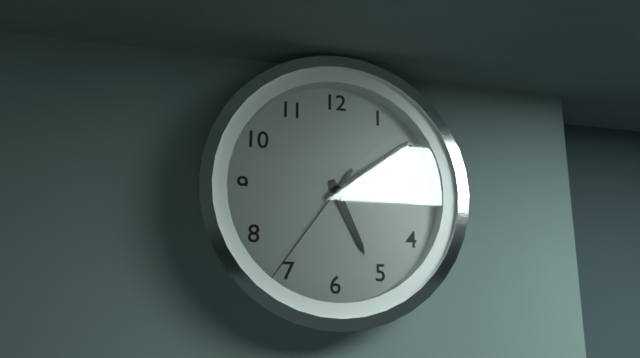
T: 5 h 09 min 36 s
